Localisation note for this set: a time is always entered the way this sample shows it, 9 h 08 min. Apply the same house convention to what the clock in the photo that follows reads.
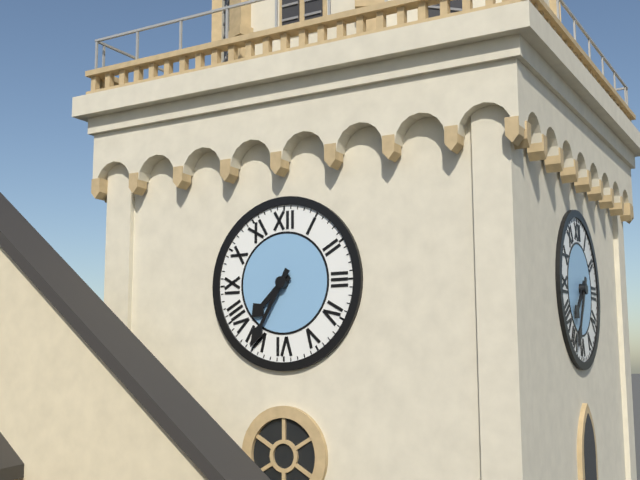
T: 7 h 35 min
